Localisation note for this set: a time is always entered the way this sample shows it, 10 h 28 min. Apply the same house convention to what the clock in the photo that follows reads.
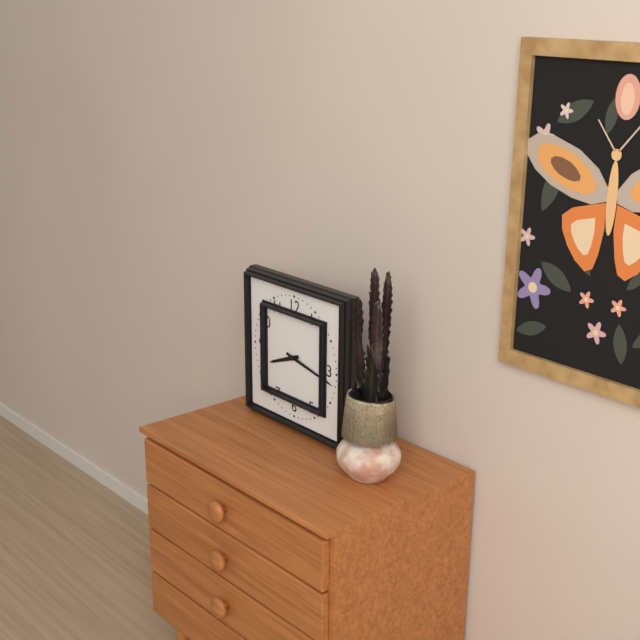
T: 8 h 17 min
